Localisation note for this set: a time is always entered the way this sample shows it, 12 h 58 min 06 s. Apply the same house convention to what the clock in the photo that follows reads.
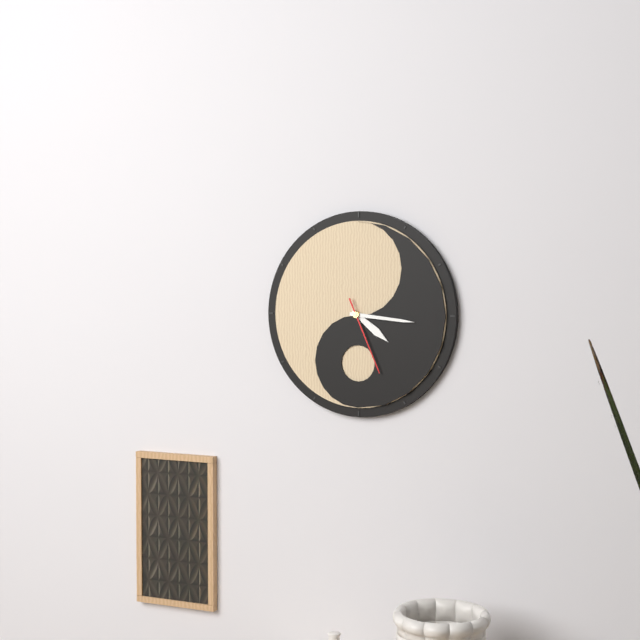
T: 4 h 16 min 26 s
